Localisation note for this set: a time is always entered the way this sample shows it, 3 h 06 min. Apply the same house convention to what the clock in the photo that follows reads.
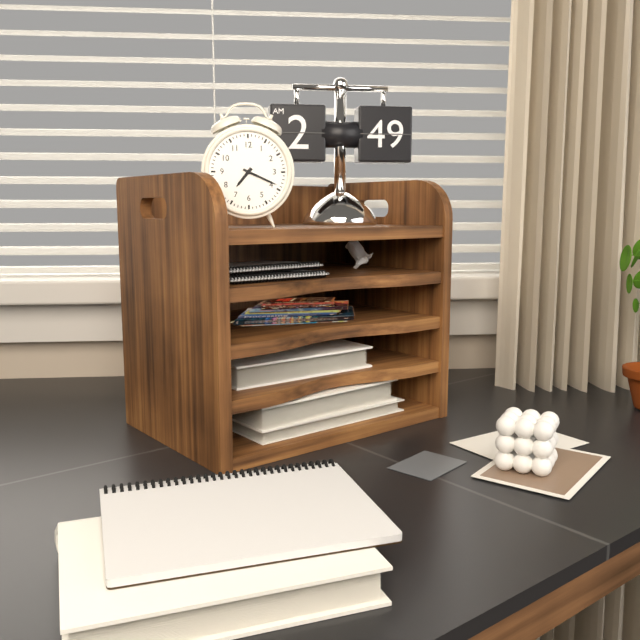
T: 7 h 19 min
